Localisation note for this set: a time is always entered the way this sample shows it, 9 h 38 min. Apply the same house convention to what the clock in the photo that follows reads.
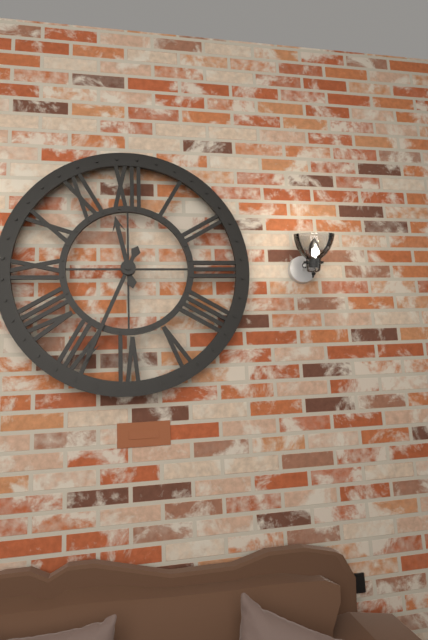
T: 11 h 34 min
